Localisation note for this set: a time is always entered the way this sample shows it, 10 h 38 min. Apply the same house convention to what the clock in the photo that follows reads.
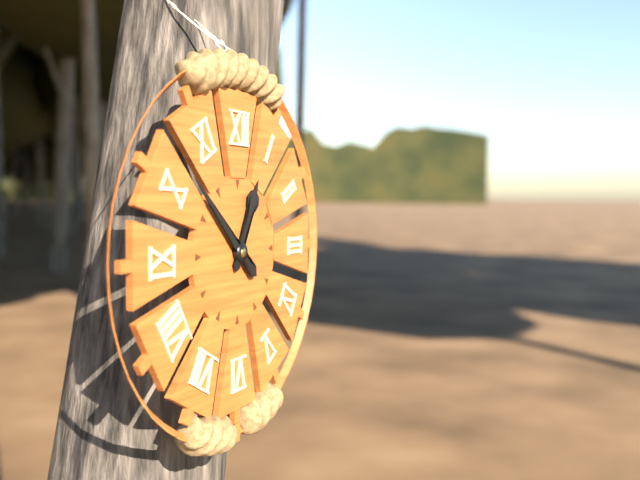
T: 12 h 52 min
